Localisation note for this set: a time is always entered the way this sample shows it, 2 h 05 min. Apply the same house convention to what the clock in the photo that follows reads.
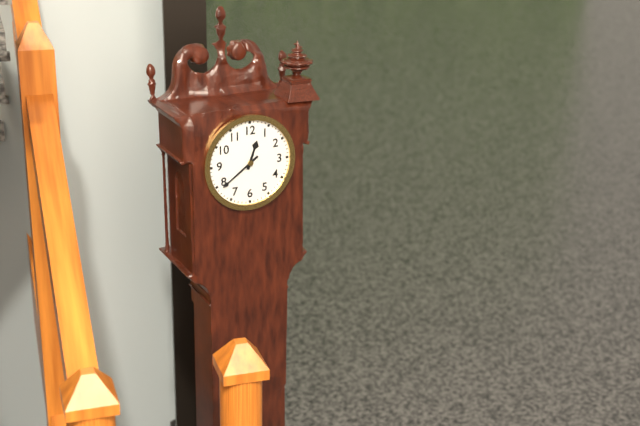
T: 12 h 39 min
